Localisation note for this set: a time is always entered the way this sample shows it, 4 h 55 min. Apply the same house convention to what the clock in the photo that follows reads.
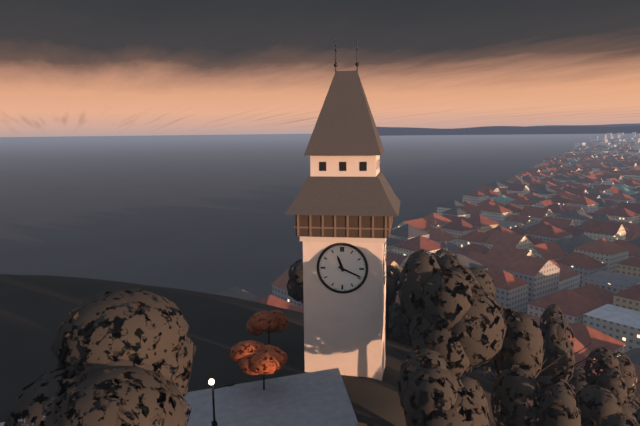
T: 11 h 19 min
